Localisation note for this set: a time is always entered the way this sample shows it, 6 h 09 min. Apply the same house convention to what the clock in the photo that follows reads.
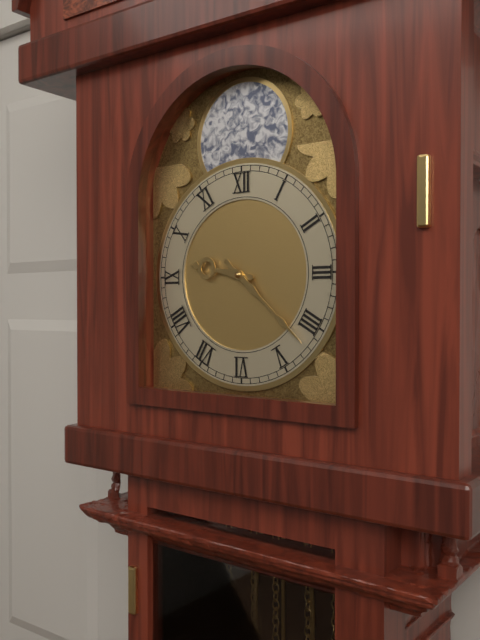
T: 9 h 22 min
